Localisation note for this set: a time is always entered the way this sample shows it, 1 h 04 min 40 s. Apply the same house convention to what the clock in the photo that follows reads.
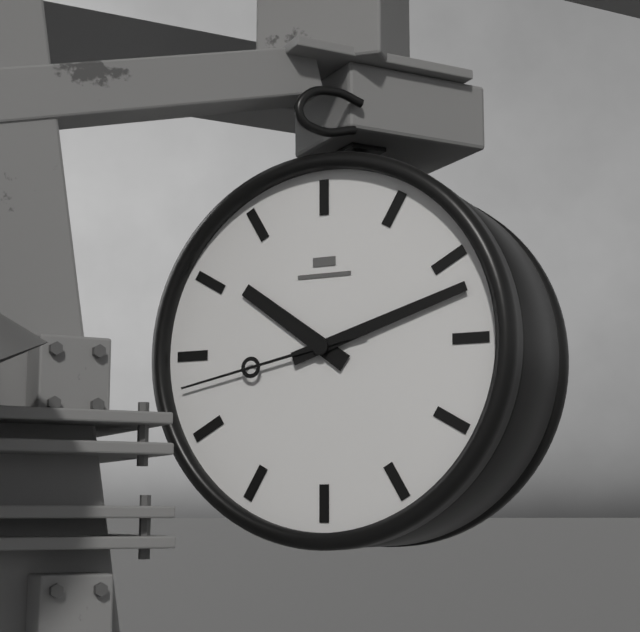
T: 10 h 12 min 43 s
